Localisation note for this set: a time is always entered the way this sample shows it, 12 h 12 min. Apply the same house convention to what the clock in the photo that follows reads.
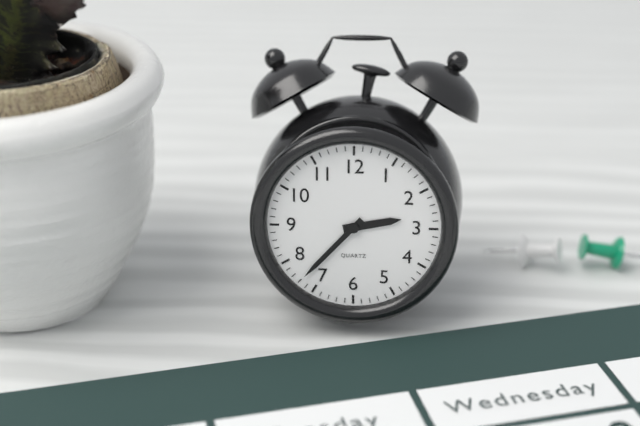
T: 2 h 37 min
